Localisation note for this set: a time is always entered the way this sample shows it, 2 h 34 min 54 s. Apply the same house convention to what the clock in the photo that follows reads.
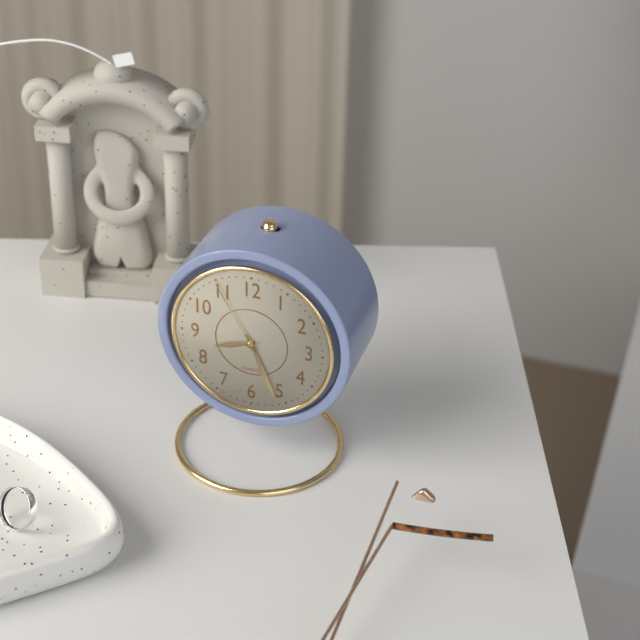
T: 8 h 26 min 55 s
